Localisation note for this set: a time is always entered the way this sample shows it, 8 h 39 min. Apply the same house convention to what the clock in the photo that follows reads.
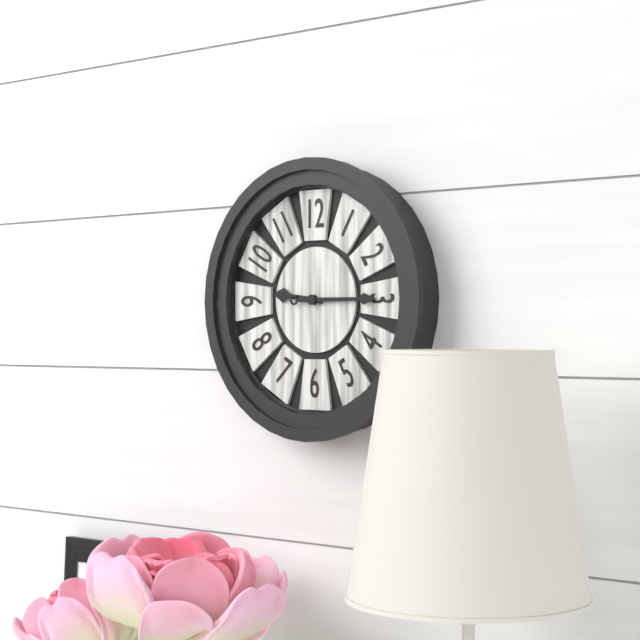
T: 9 h 15 min
